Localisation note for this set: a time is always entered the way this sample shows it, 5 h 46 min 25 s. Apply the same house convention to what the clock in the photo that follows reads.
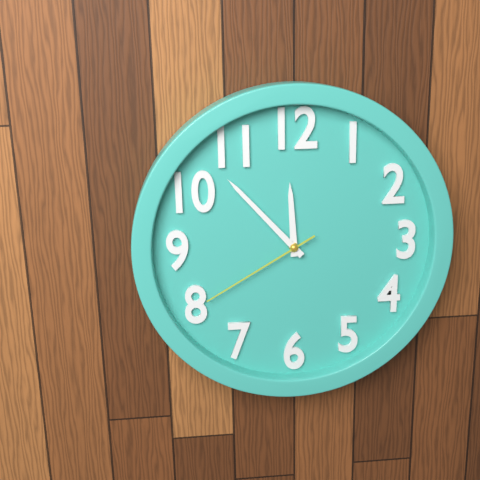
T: 11 h 53 min 40 s
